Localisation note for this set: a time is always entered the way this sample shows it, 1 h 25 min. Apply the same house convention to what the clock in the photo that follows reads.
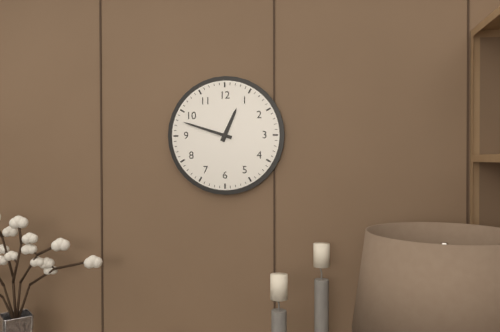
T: 12 h 48 min
